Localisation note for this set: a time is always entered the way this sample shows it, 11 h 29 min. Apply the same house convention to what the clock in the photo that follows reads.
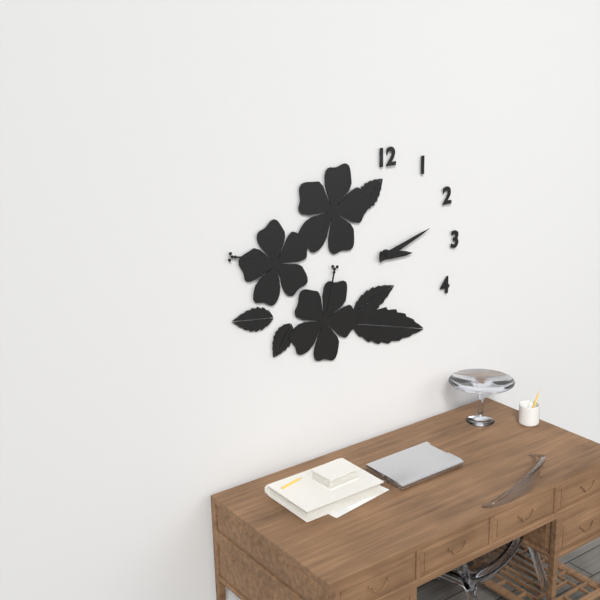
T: 3 h 12 min
